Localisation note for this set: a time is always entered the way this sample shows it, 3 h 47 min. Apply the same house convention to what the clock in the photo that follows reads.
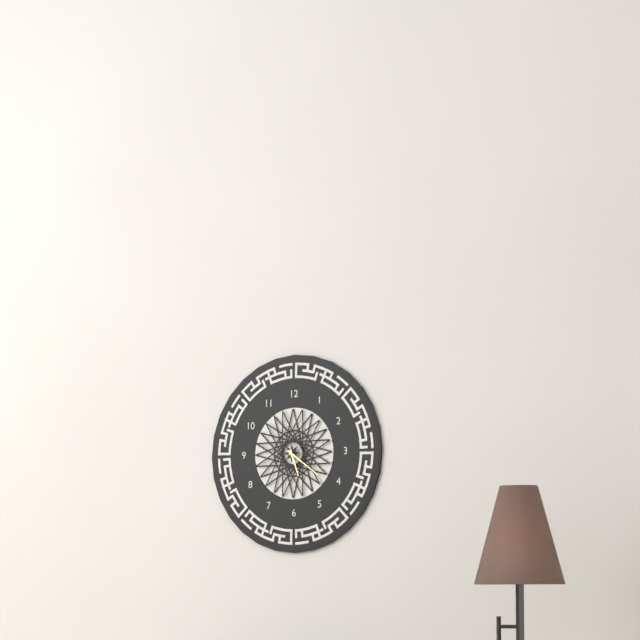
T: 5 h 21 min
